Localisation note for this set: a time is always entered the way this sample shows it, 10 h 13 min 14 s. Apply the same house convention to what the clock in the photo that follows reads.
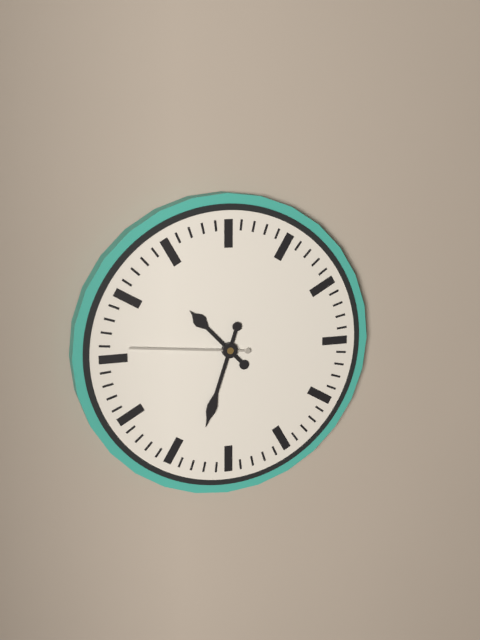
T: 10 h 33 min 46 s
